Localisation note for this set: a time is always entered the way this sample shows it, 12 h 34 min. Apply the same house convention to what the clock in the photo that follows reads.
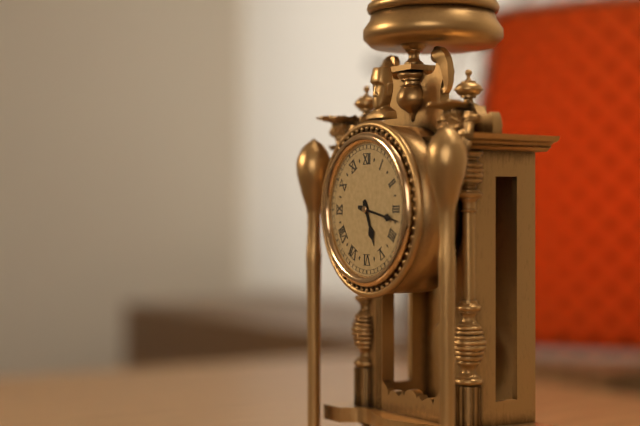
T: 5 h 17 min
